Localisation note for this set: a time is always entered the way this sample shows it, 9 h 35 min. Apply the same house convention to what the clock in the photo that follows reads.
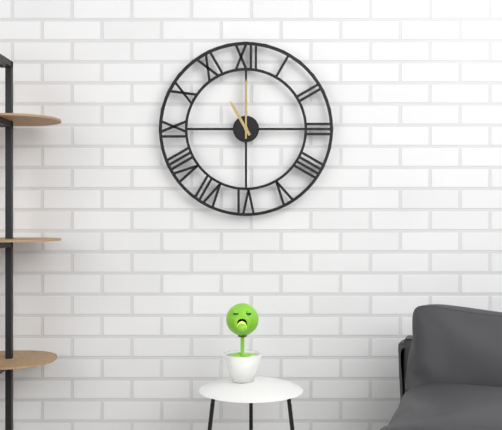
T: 11 h 00 min
